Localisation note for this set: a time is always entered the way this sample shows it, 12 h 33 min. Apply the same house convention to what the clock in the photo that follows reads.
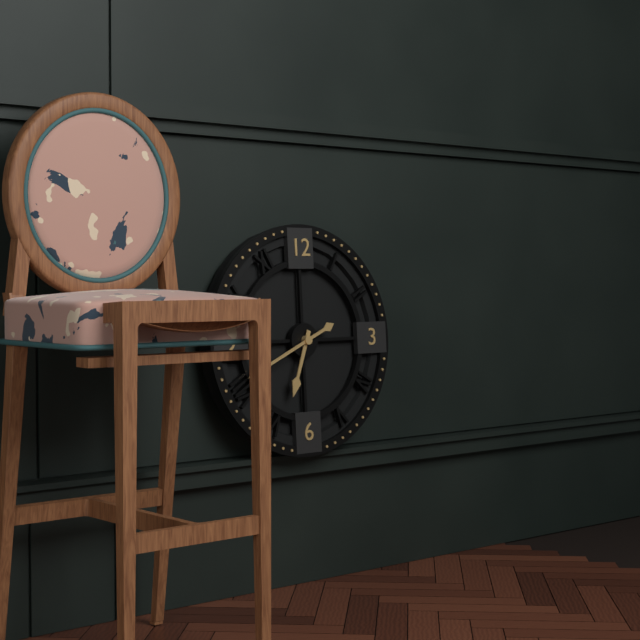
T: 6 h 41 min
